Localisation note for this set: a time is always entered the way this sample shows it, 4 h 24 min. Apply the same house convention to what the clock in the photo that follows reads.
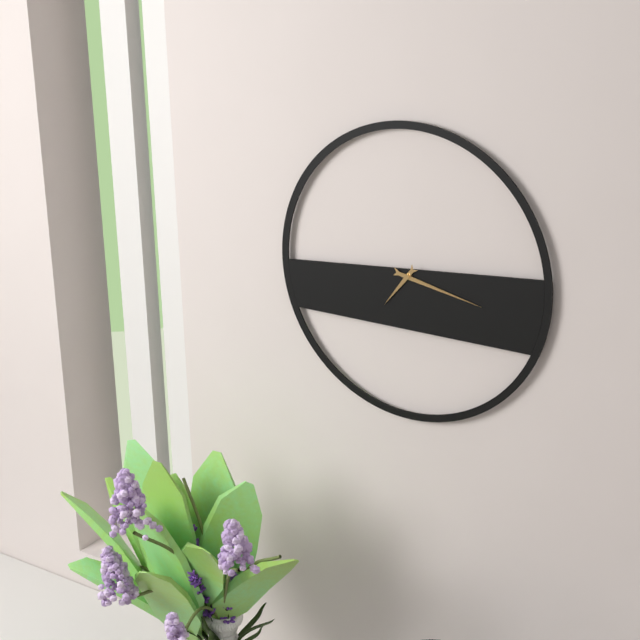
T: 7 h 17 min
